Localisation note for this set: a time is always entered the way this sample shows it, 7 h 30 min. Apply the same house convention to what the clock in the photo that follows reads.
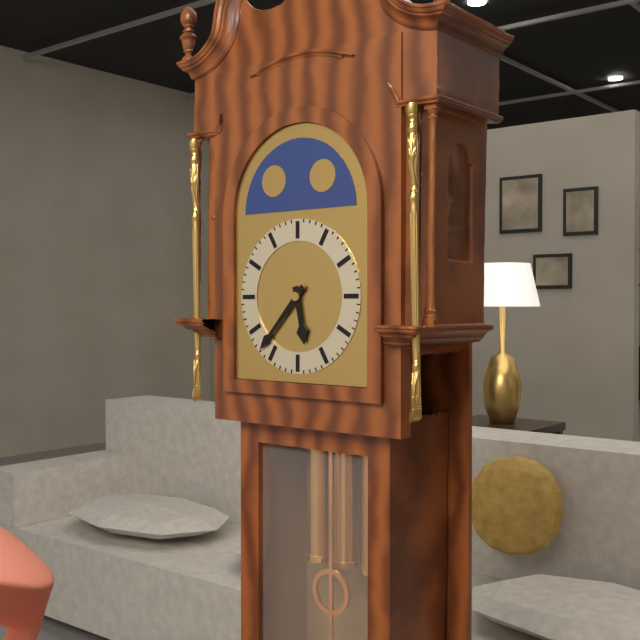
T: 5 h 37 min
